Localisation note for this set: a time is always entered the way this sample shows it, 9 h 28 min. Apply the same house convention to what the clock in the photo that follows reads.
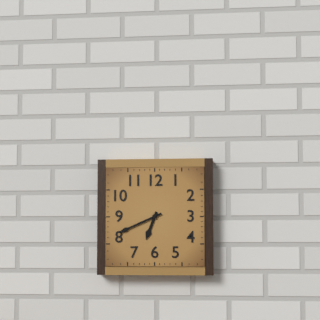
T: 6 h 41 min
